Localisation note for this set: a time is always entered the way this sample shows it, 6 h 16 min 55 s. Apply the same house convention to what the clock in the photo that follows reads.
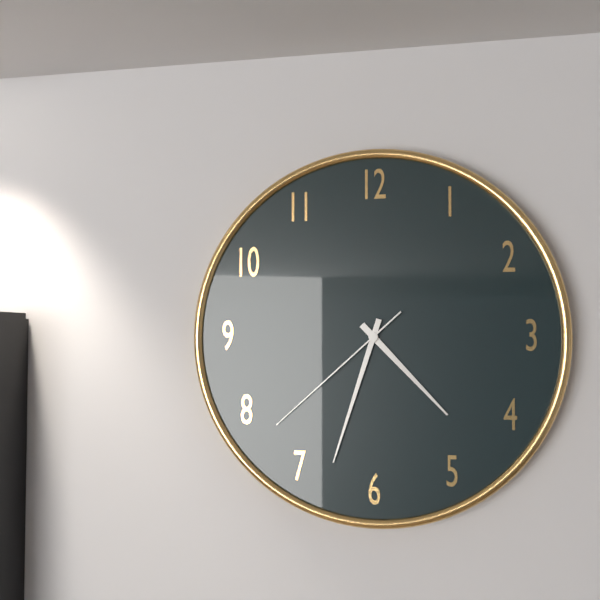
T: 4 h 33 min 38 s
